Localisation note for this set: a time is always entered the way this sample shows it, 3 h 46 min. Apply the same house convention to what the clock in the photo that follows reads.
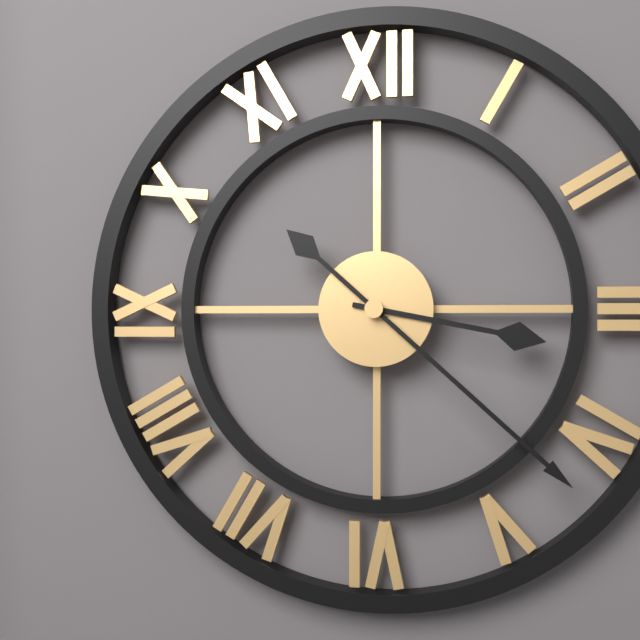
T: 3 h 22 min
